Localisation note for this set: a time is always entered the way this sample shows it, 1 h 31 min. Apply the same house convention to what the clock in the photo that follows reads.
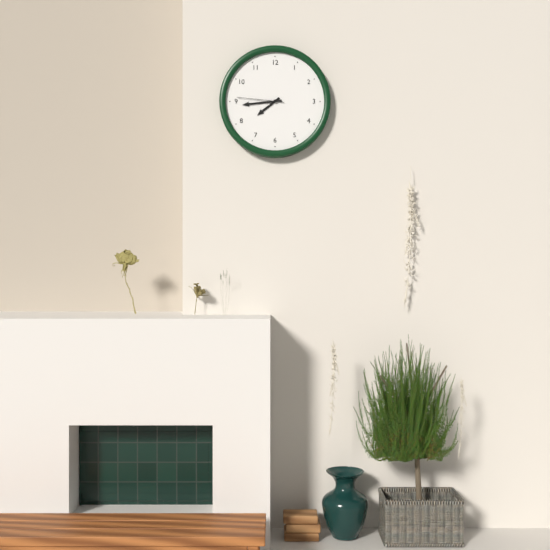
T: 7 h 44 min
